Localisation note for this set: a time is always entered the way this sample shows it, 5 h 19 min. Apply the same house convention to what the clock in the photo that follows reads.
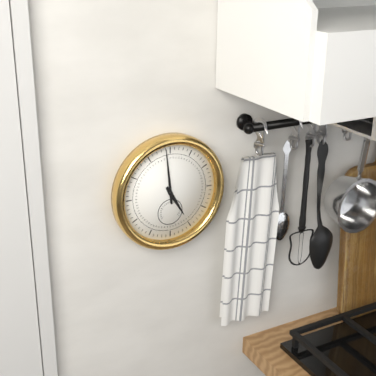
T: 4 h 59 min
